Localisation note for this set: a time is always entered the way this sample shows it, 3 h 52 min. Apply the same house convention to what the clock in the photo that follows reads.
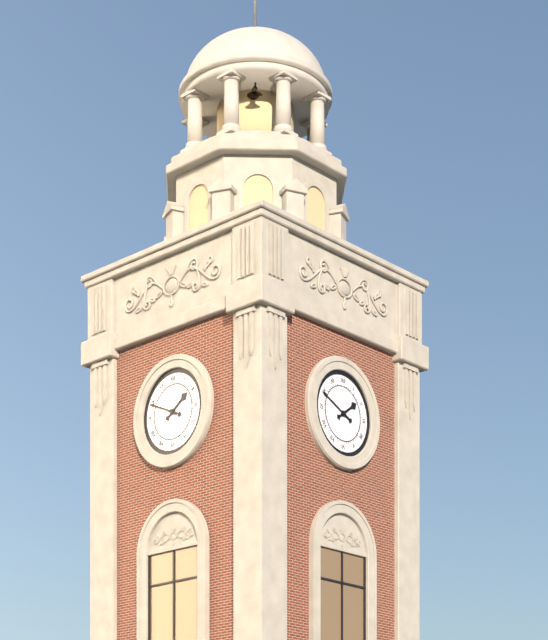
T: 1 h 49 min
